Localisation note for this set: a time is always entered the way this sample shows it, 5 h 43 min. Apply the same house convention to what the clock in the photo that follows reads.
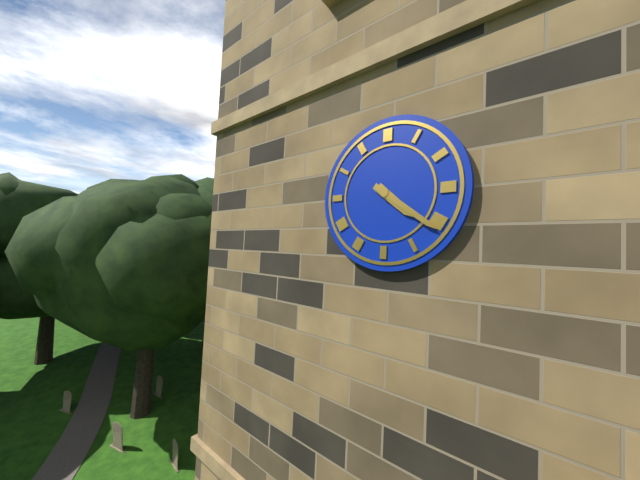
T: 4 h 21 min
